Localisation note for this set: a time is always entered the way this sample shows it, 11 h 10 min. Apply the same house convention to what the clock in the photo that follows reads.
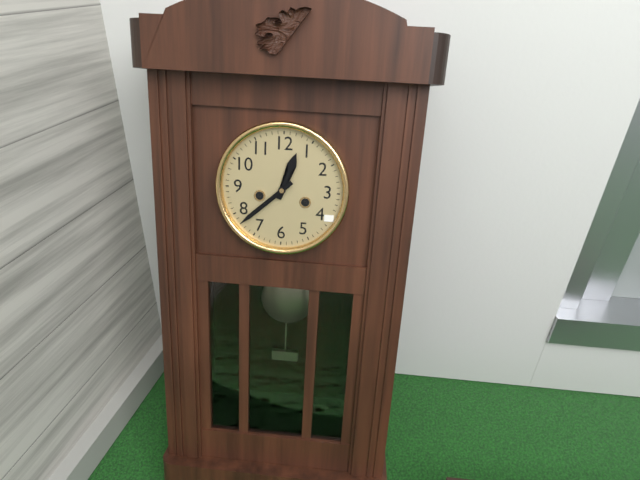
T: 12 h 38 min
